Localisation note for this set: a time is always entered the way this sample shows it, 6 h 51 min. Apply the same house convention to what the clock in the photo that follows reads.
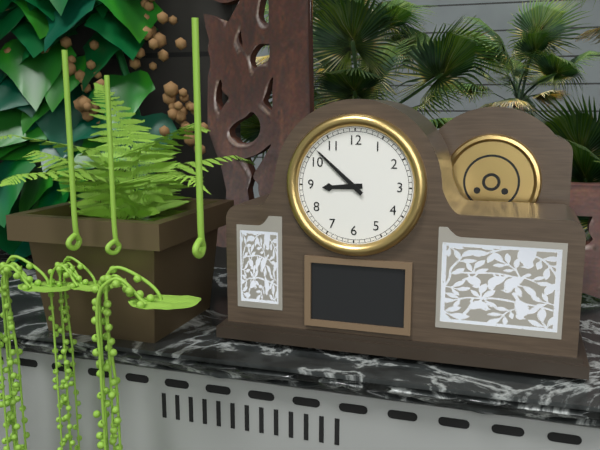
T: 8 h 52 min
